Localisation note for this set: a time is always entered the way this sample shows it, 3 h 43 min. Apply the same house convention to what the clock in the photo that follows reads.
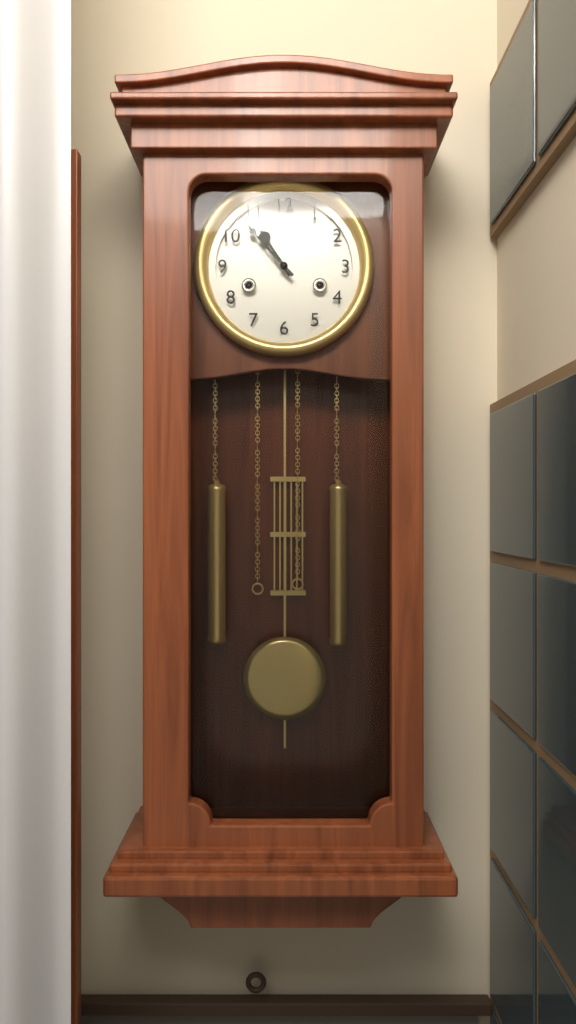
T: 10 h 53 min
